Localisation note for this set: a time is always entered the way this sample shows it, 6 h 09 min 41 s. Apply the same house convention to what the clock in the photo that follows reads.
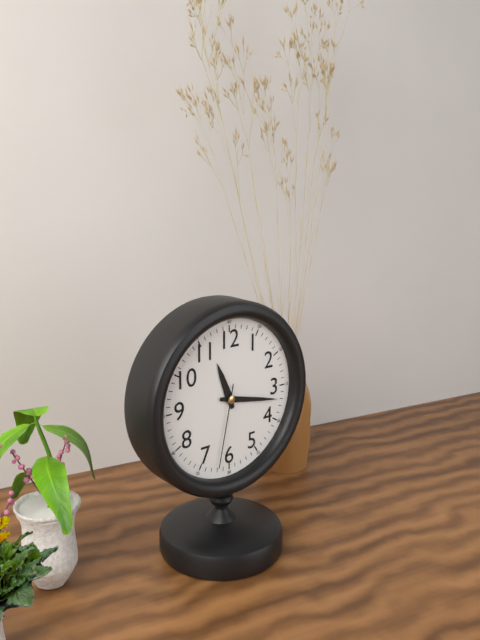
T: 11 h 17 min 32 s
